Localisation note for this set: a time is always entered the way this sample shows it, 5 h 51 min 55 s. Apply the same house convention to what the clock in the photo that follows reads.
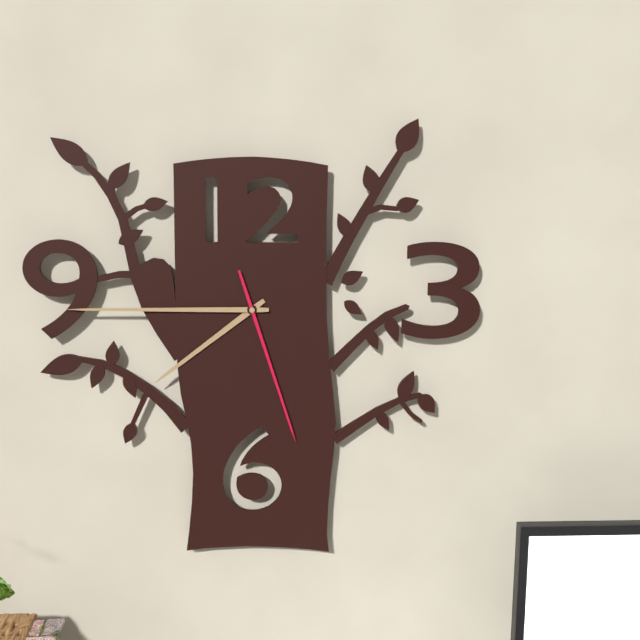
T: 7 h 45 min 27 s
